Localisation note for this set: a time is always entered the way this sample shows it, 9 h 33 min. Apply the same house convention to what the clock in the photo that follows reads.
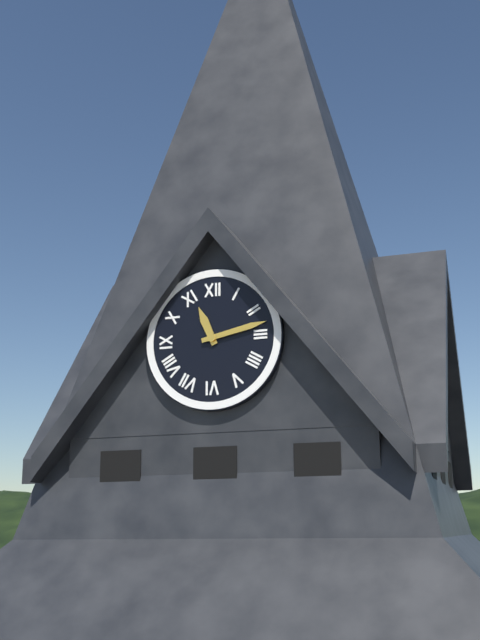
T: 11 h 13 min
